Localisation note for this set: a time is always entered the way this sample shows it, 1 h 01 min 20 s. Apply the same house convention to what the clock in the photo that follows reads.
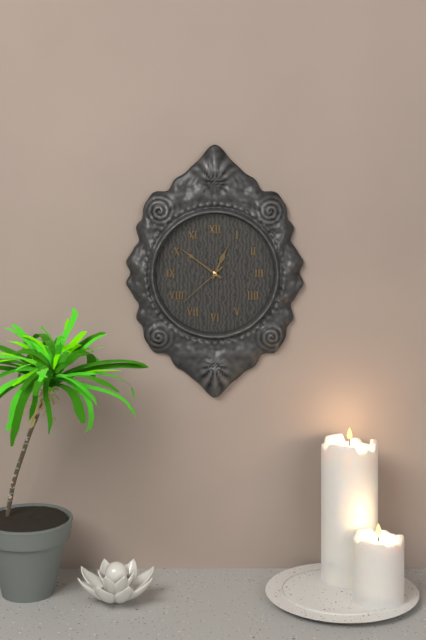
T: 12 h 51 min 38 s
